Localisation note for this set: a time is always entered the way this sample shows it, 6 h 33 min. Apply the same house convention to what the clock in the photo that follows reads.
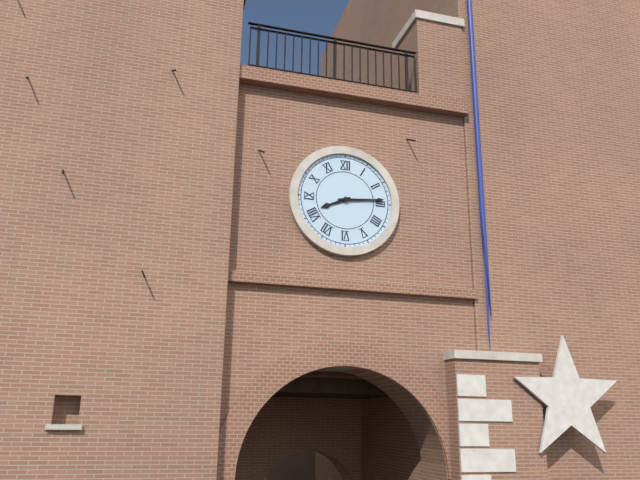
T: 8 h 14 min
